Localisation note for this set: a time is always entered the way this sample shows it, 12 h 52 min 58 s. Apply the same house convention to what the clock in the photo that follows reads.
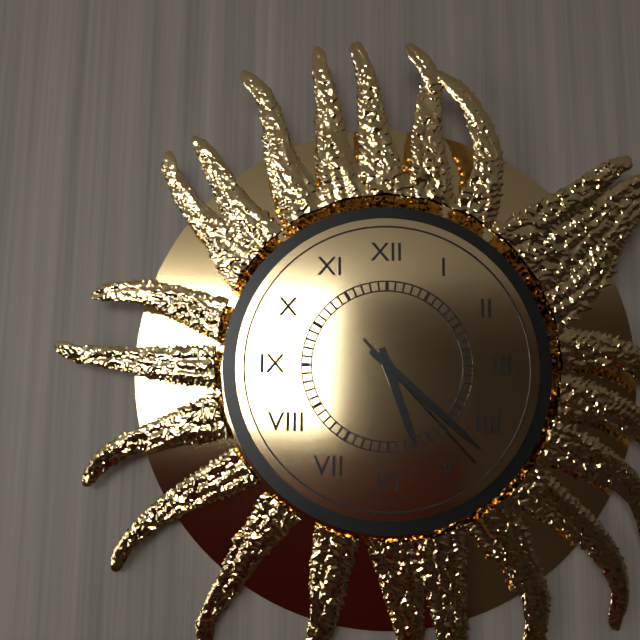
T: 5 h 22 min 23 s
